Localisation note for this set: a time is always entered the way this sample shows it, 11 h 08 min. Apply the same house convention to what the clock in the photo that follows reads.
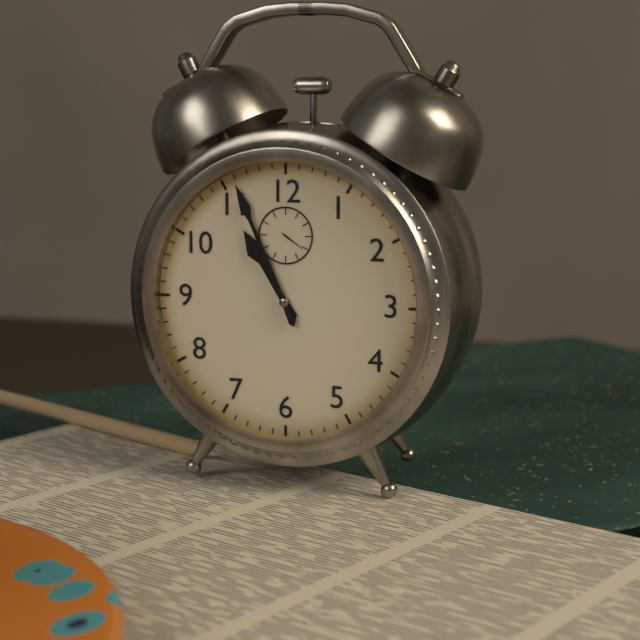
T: 10 h 56 min
